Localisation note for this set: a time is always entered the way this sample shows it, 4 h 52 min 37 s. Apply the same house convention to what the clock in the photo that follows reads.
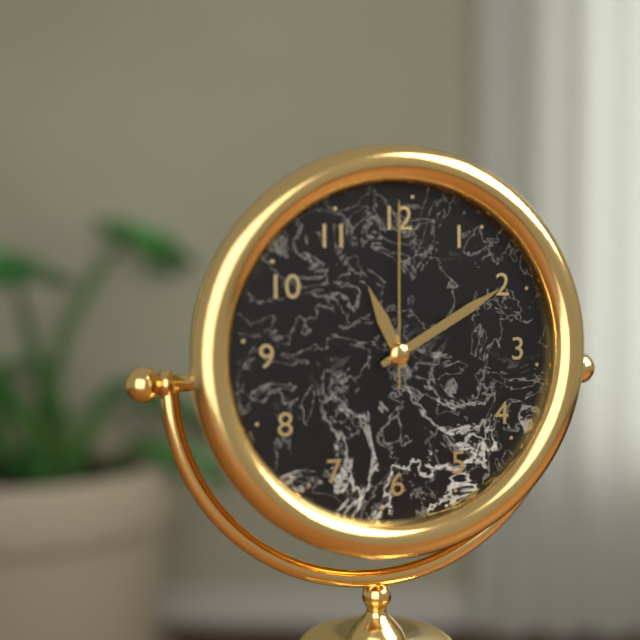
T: 11 h 10 min 00 s
